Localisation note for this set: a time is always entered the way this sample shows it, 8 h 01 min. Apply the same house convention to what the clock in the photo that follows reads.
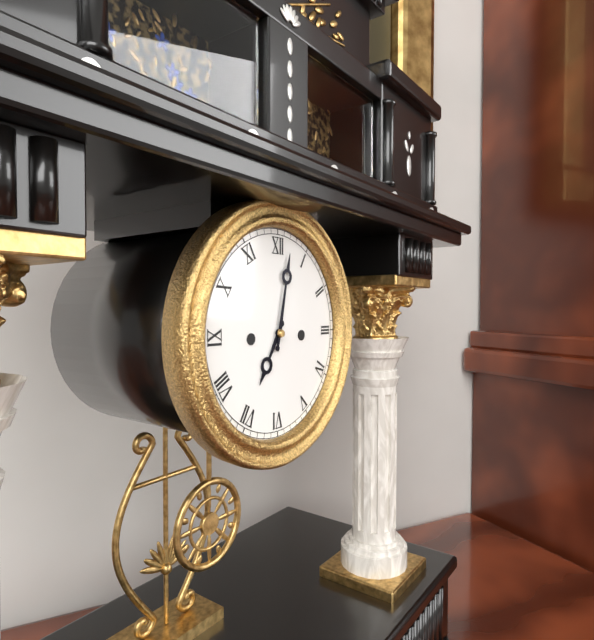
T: 7 h 02 min
